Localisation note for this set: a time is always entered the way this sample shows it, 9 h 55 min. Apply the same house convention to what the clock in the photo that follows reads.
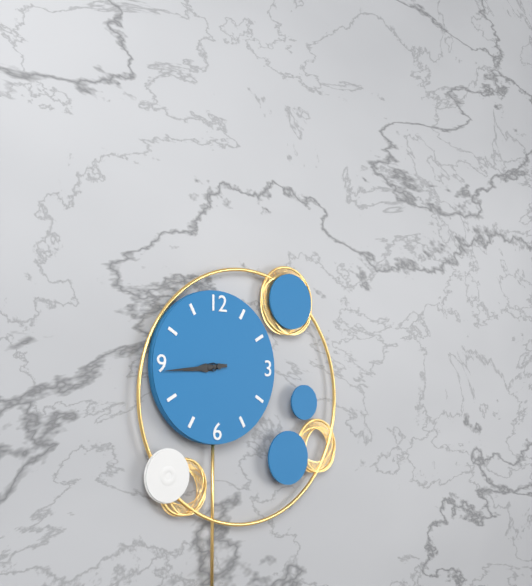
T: 8 h 44 min
